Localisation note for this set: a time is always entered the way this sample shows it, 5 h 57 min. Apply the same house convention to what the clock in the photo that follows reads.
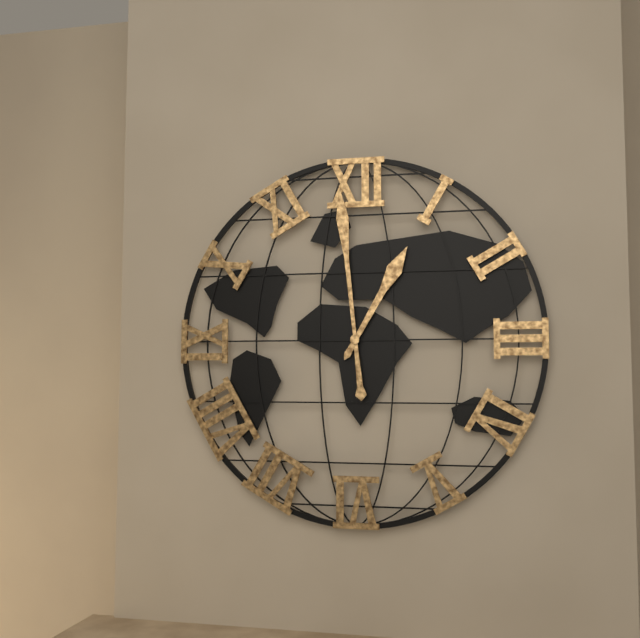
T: 12 h 59 min
